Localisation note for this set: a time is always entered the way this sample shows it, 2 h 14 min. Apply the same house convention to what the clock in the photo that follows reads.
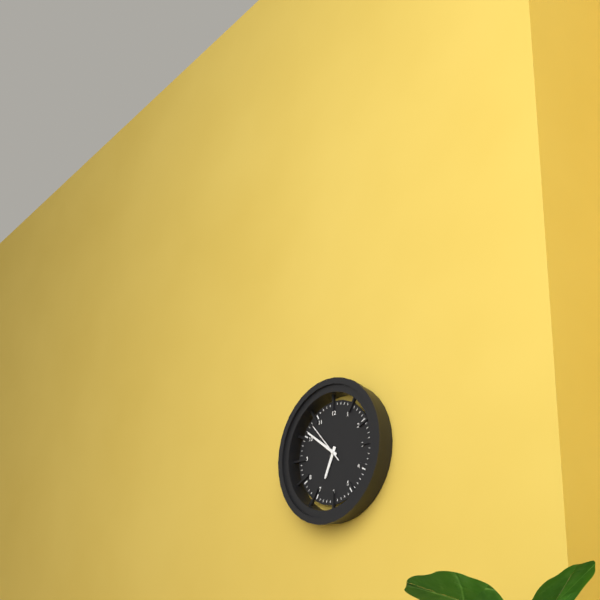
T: 6 h 51 min
